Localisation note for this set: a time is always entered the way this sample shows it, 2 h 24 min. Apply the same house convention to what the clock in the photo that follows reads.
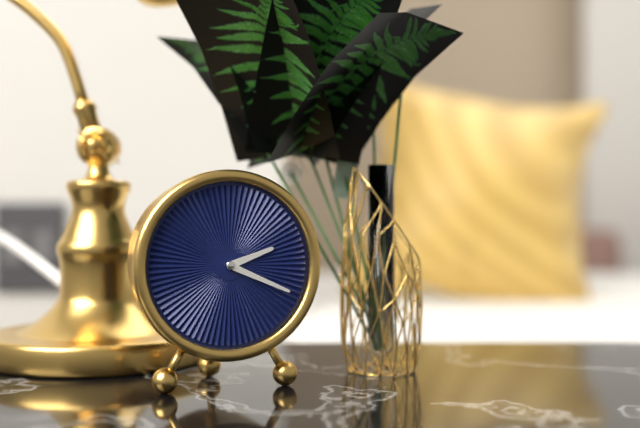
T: 2 h 19 min
